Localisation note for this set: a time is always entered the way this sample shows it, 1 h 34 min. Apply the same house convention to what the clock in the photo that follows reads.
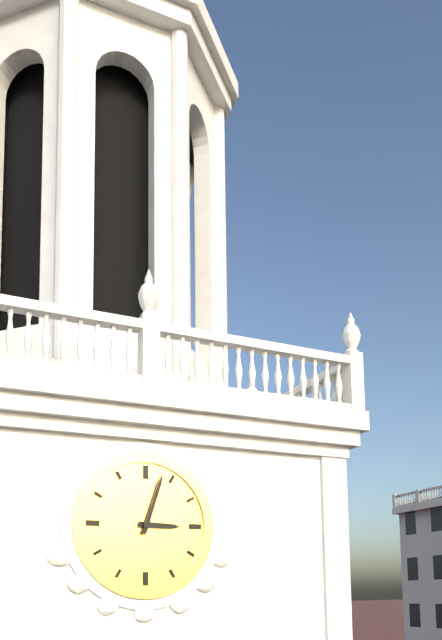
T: 3 h 03 min
